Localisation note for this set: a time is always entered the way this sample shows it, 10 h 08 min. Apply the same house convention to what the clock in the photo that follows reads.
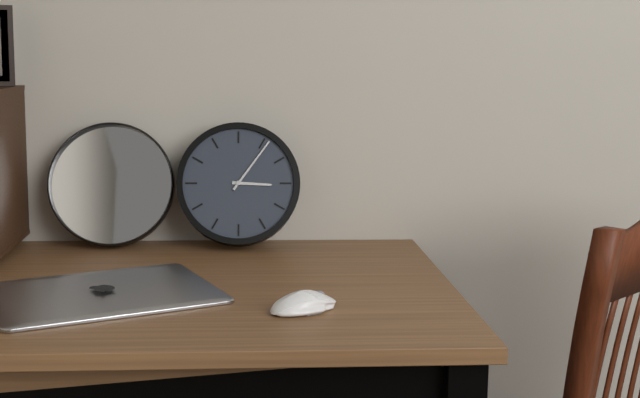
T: 3 h 06 min
